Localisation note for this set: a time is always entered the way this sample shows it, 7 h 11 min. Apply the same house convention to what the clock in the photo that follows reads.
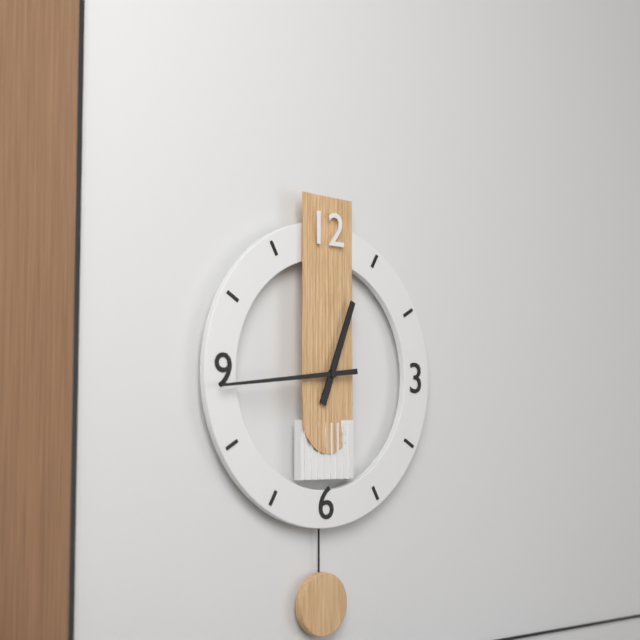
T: 12 h 44 min
